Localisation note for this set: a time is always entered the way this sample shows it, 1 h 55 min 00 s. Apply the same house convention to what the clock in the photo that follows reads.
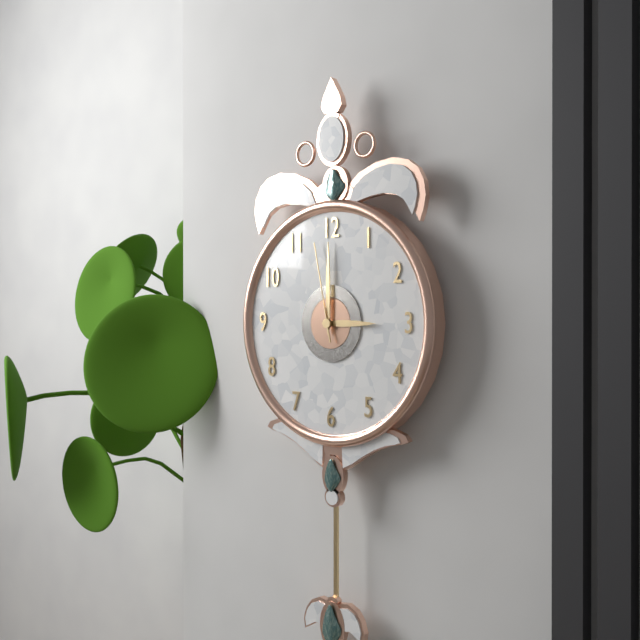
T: 3 h 00 min 58 s
